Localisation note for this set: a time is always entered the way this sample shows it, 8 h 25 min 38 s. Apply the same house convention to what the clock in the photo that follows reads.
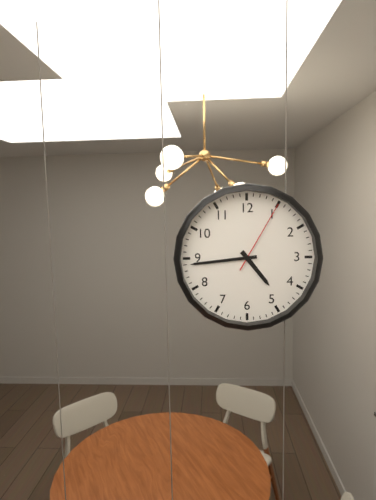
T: 4 h 44 min 05 s
